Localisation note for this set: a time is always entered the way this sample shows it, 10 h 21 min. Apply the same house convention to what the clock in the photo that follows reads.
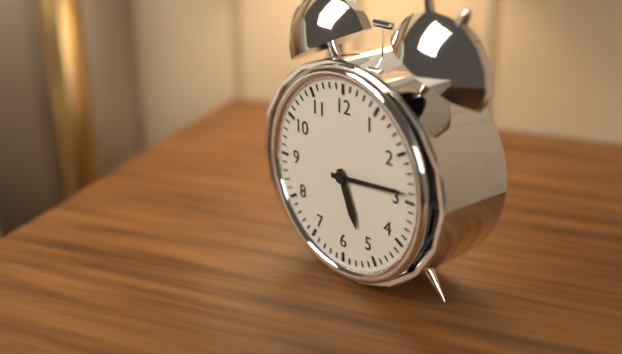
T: 5 h 14 min
